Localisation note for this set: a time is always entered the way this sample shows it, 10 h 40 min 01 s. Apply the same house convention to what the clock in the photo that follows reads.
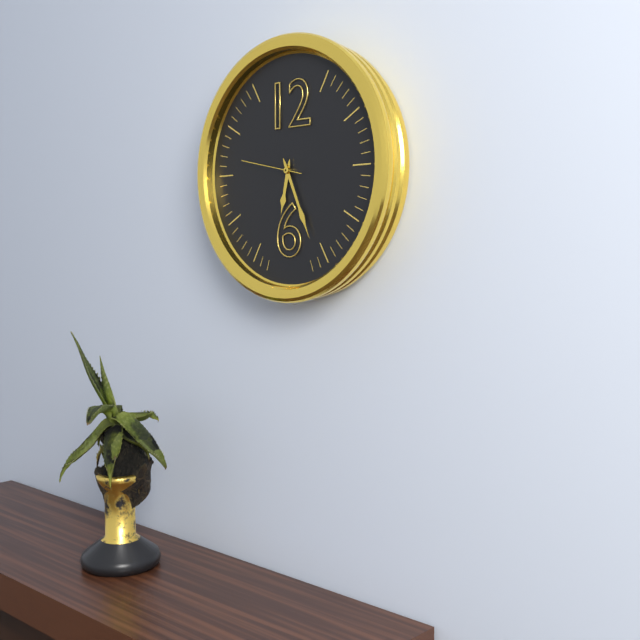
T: 6 h 26 min 47 s
